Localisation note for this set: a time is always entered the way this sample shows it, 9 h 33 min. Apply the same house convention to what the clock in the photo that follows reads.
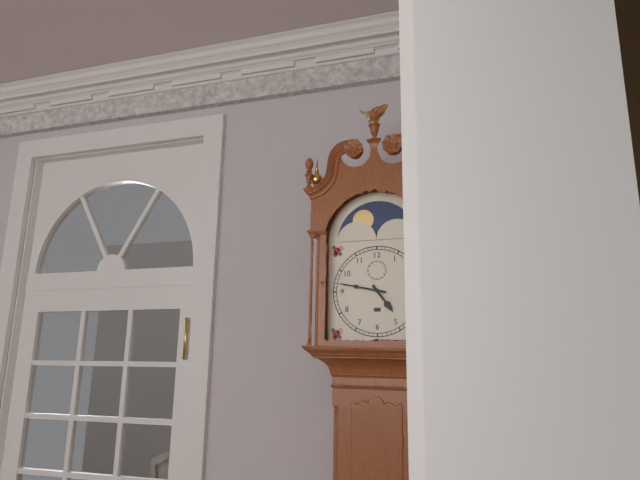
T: 4 h 47 min
